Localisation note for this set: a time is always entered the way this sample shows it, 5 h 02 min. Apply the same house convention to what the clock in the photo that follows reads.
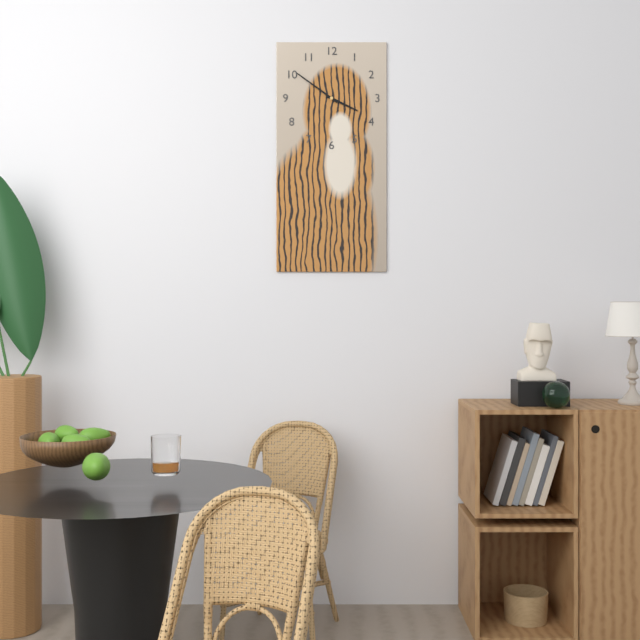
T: 3 h 51 min
